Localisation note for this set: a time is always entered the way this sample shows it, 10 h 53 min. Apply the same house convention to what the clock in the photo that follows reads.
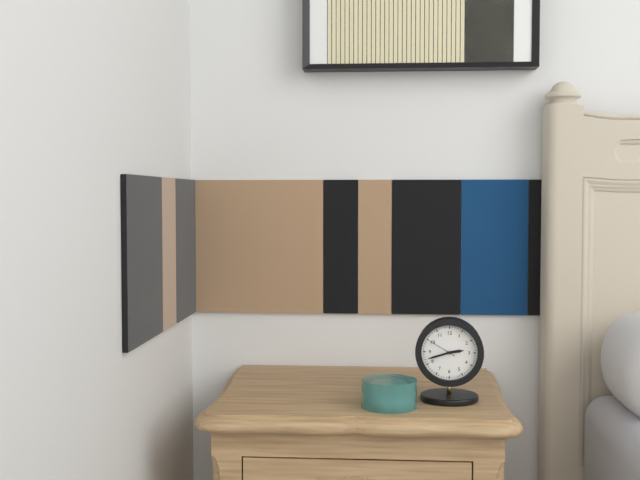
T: 2 h 42 min
